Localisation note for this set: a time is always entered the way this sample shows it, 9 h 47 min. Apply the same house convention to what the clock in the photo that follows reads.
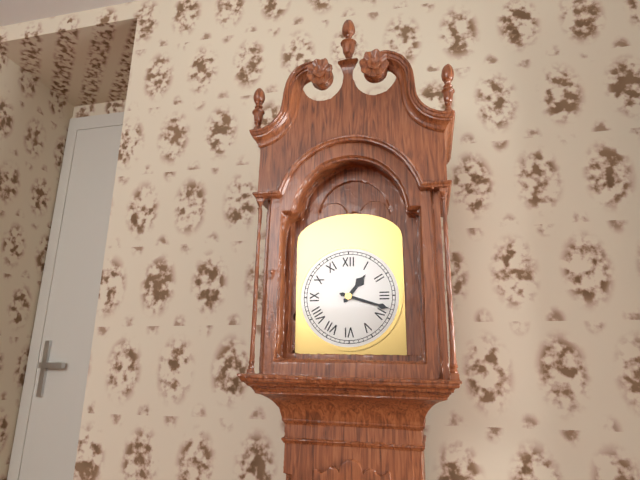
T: 1 h 18 min
